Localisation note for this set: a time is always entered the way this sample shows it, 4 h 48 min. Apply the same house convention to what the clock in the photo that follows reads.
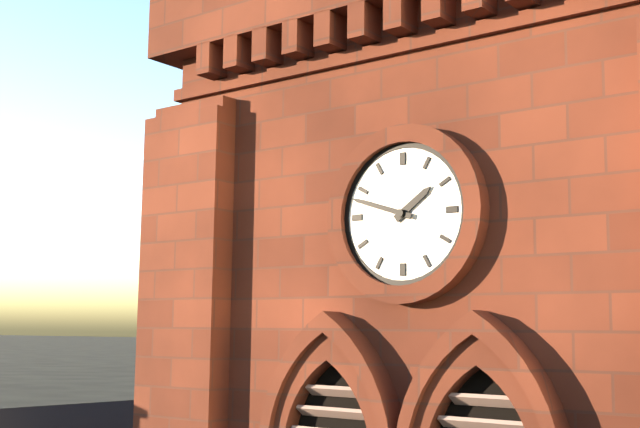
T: 1 h 48 min
